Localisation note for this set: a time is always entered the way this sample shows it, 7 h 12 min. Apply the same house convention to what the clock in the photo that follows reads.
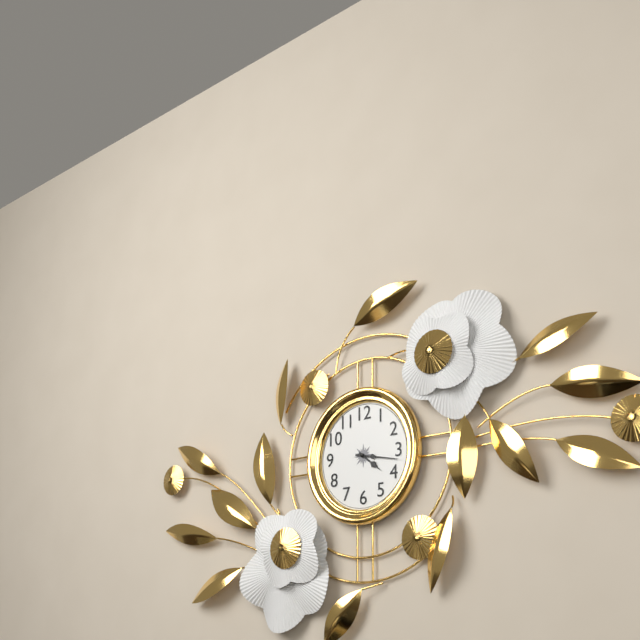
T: 4 h 17 min
